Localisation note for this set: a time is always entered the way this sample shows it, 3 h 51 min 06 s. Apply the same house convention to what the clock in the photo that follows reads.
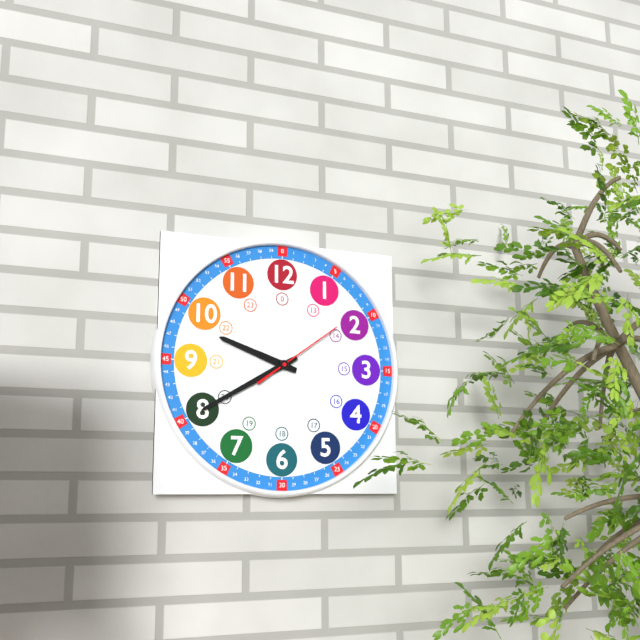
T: 9 h 40 min 09 s
